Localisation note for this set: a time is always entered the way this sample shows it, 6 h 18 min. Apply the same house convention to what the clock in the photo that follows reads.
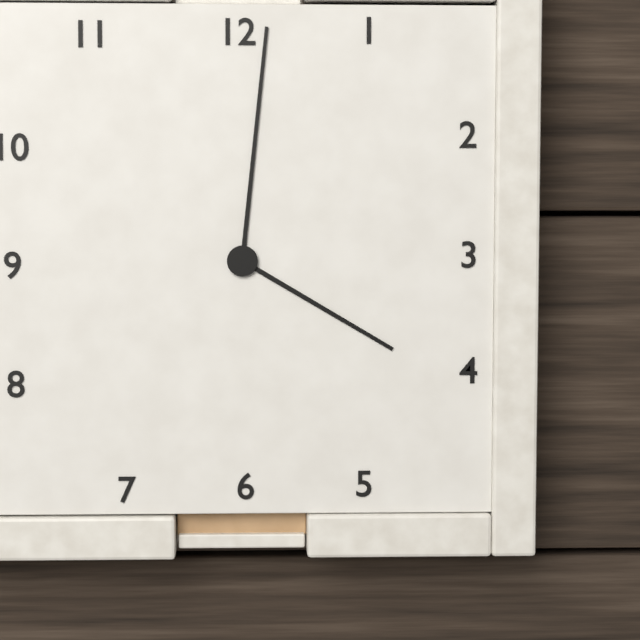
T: 4 h 01 min
